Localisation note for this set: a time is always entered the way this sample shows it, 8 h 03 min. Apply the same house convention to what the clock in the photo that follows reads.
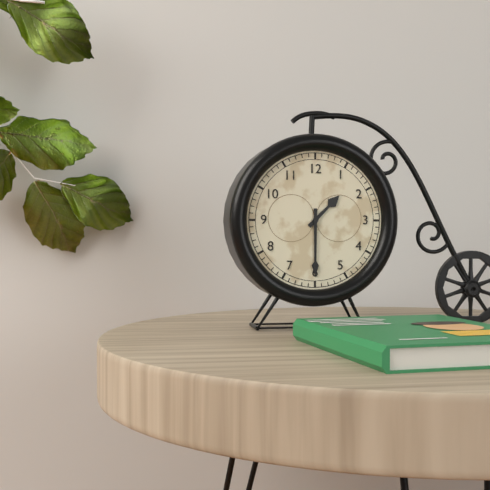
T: 1 h 30 min
